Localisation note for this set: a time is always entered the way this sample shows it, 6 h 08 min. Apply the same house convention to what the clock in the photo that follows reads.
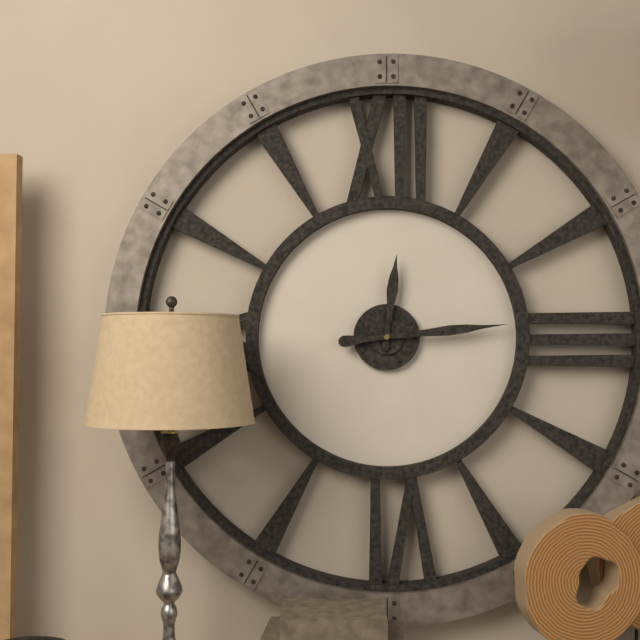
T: 12 h 14 min
